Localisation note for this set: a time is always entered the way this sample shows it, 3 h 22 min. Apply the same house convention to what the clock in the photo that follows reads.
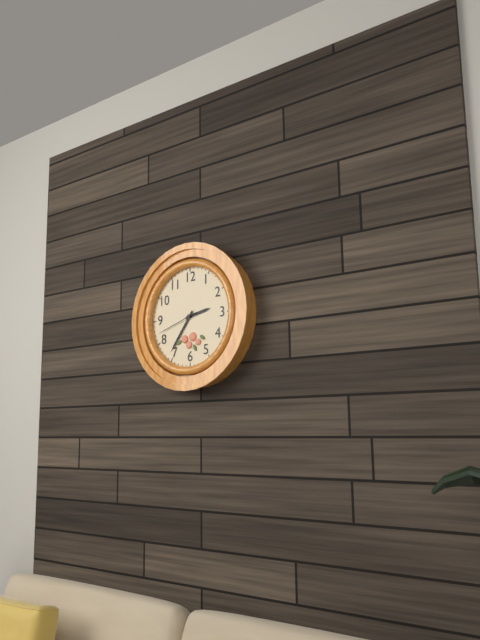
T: 2 h 36 min
